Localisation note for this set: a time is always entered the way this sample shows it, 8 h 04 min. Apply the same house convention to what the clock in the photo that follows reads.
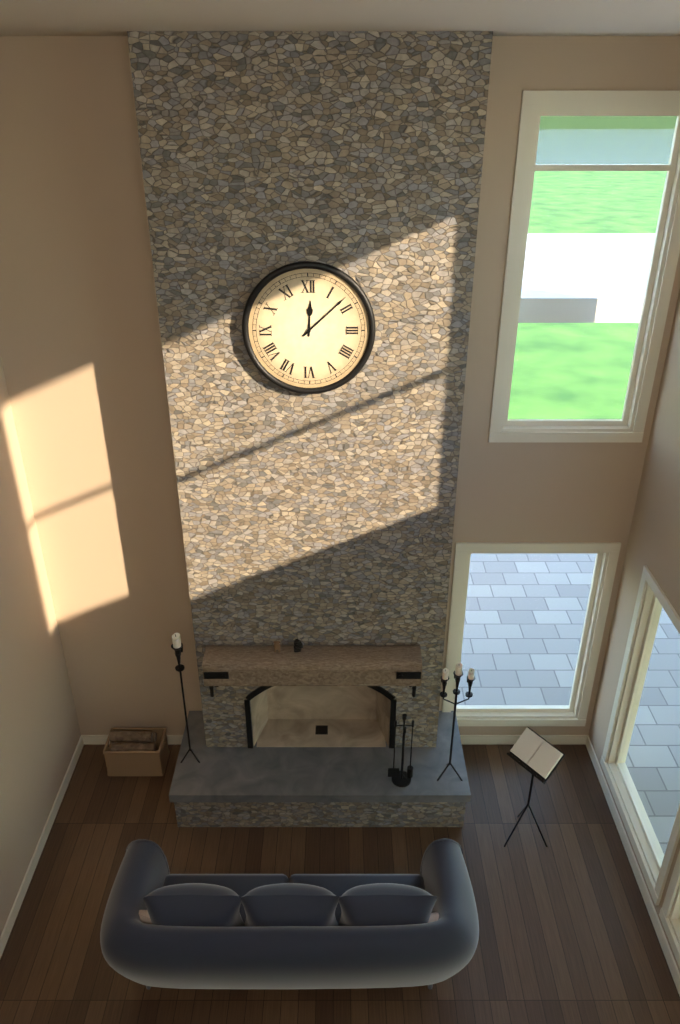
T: 12 h 08 min
